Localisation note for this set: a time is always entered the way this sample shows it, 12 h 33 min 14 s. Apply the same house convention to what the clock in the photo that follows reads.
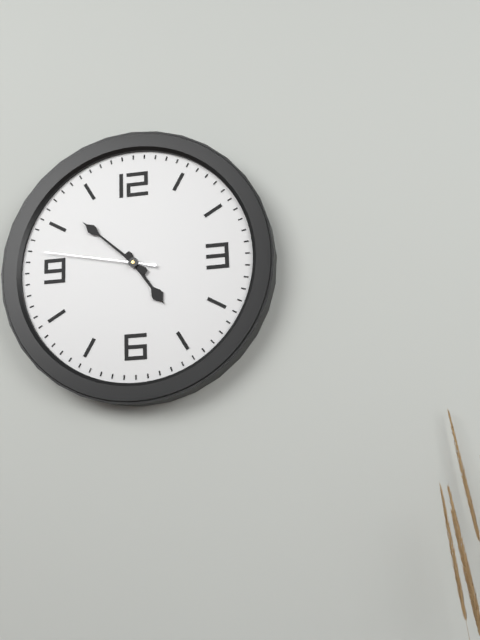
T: 4 h 52 min 47 s
